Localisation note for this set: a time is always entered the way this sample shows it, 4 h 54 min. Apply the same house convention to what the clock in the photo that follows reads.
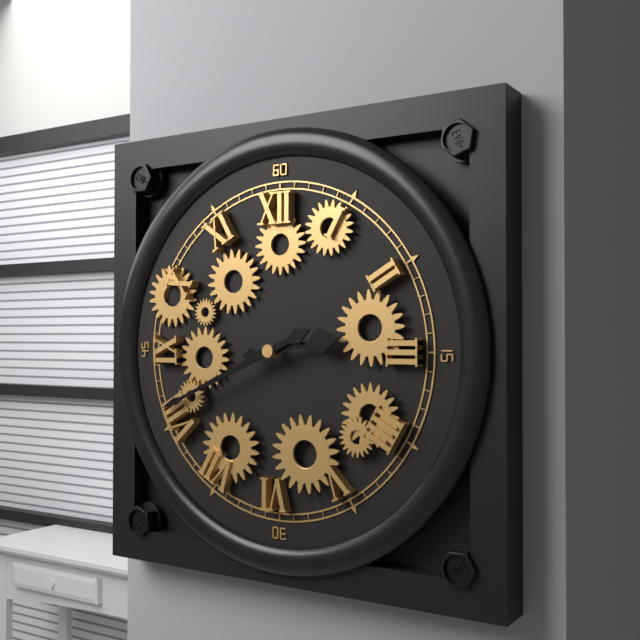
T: 2 h 41 min
